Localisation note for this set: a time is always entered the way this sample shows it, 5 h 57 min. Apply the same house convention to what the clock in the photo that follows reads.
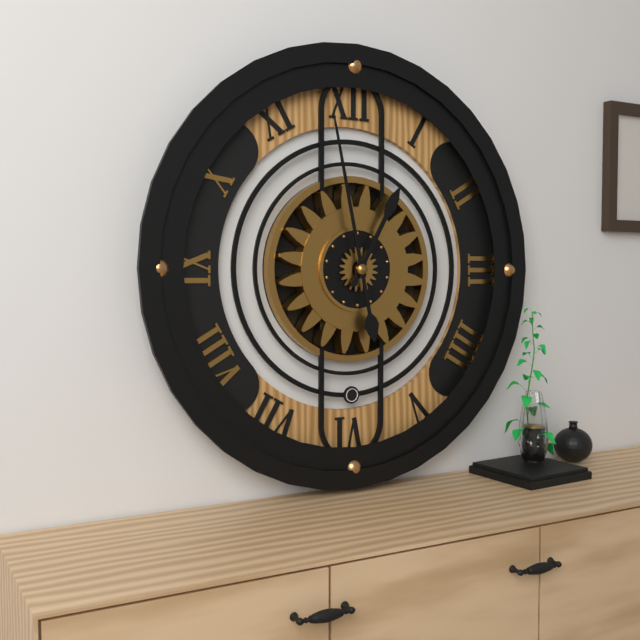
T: 12 h 58 min
